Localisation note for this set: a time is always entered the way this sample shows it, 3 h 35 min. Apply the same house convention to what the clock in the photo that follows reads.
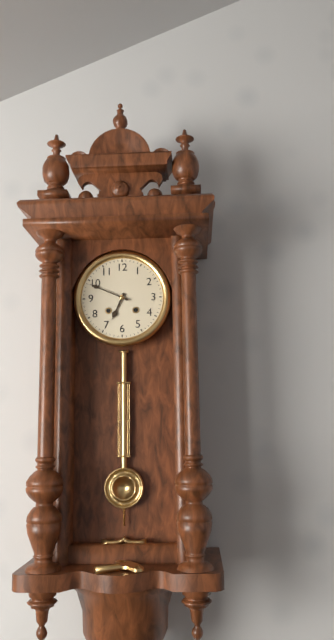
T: 6 h 49 min
